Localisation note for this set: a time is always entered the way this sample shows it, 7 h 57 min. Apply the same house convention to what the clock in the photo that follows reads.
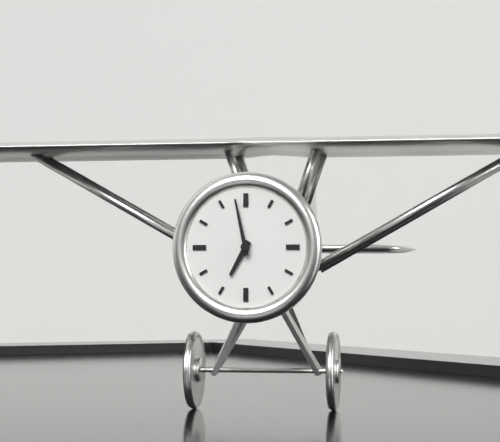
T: 6 h 58 min
